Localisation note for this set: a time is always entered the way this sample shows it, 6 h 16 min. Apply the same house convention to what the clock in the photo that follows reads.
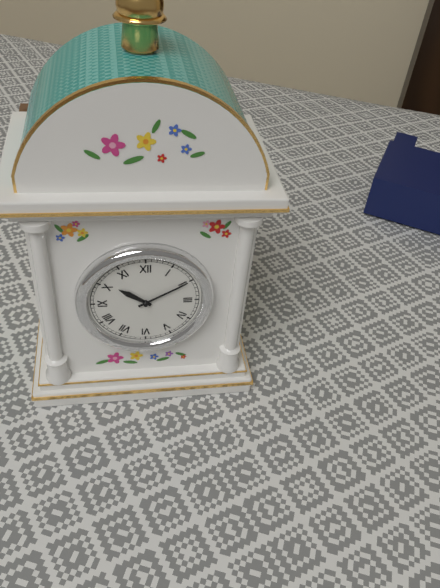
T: 10 h 10 min
